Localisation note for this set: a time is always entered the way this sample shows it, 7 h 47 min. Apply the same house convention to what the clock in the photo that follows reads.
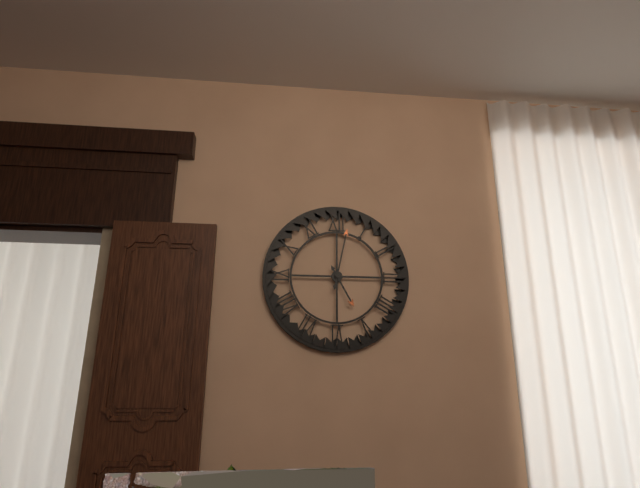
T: 5 h 02 min
